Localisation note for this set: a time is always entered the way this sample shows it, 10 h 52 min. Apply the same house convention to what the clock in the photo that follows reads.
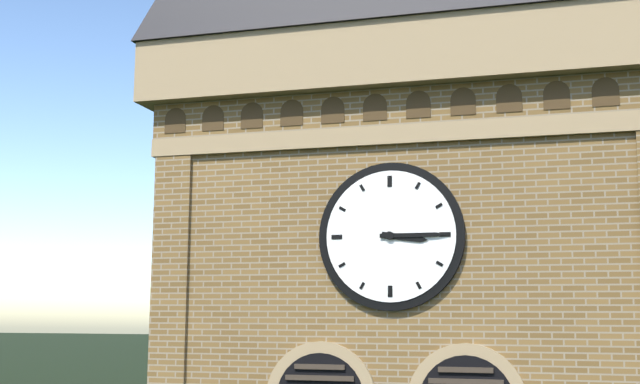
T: 3 h 15 min
